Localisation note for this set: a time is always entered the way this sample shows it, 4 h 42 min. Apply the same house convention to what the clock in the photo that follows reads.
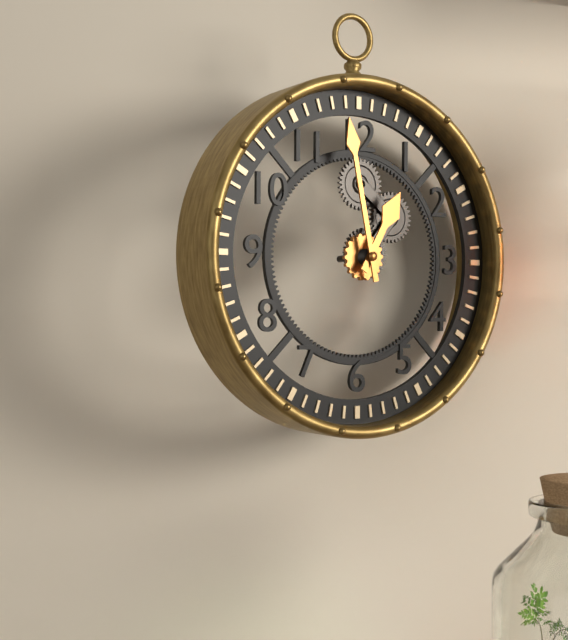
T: 12 h 58 min
